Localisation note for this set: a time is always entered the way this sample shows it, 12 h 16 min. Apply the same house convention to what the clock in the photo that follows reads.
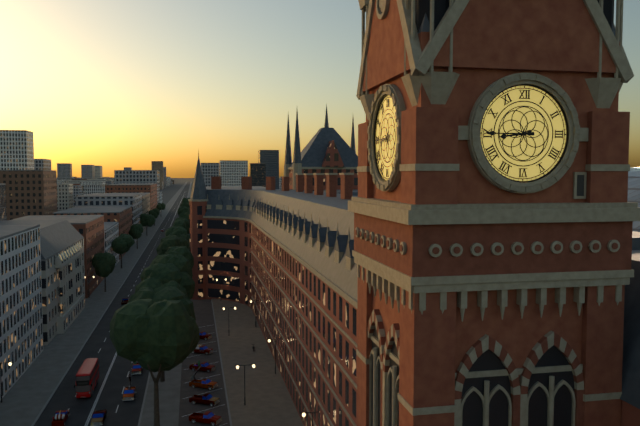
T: 8 h 45 min
